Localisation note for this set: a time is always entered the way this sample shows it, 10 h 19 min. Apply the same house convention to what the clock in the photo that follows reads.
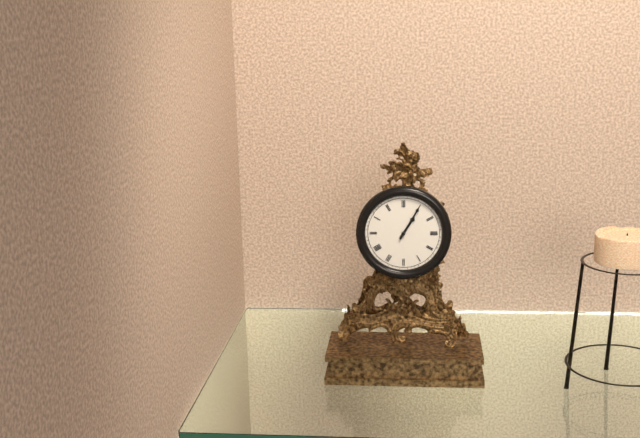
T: 1 h 05 min
